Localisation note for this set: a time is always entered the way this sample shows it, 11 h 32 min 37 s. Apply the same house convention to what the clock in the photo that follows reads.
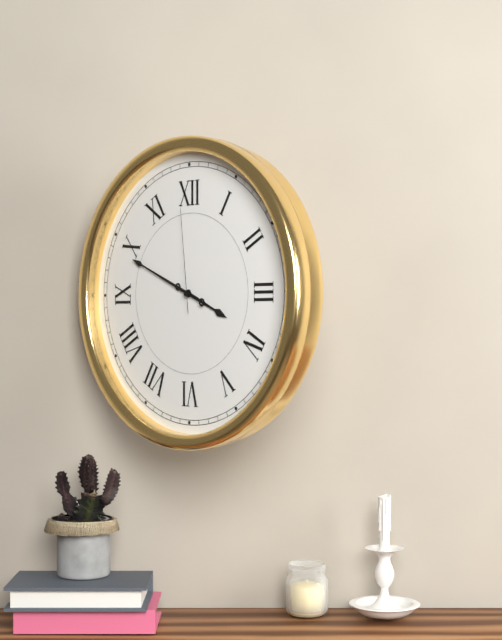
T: 3 h 49 min 59 s
